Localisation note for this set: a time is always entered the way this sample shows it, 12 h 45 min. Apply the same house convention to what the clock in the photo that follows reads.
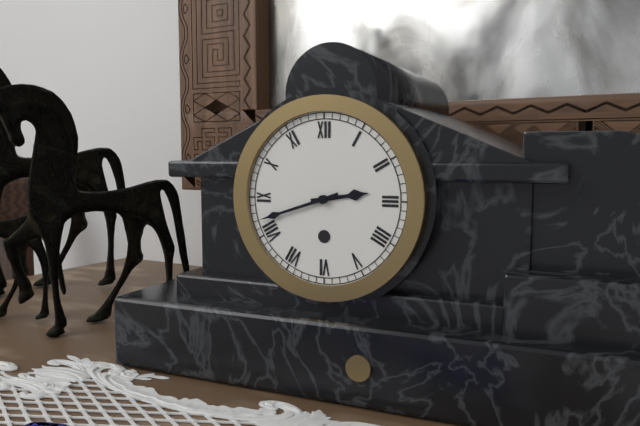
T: 2 h 42 min
